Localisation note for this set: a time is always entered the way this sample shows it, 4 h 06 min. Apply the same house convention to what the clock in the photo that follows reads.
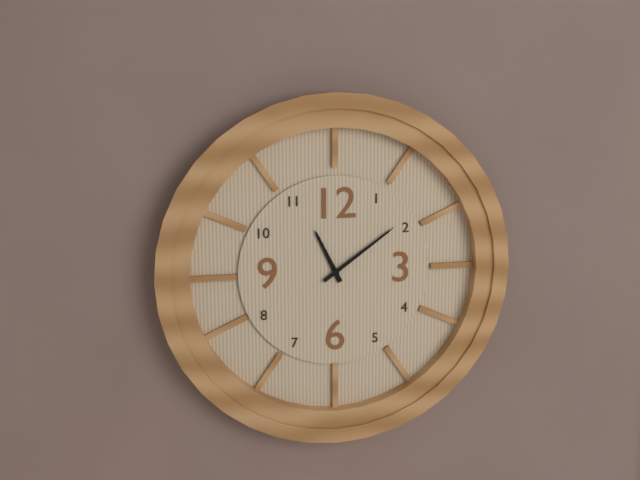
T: 11 h 09 min
